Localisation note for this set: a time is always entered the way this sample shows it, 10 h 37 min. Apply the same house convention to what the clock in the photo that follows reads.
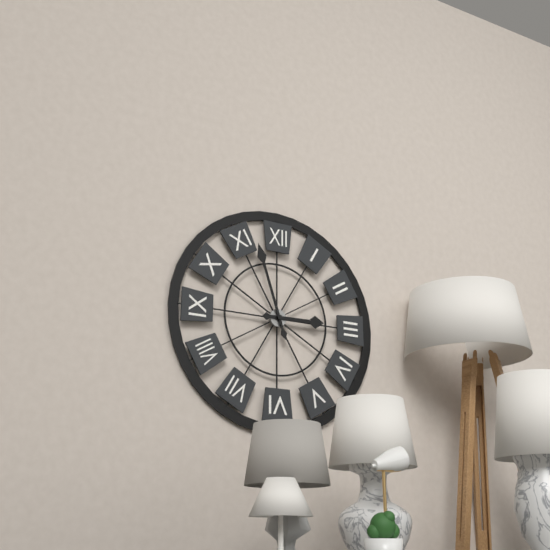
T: 2 h 57 min
